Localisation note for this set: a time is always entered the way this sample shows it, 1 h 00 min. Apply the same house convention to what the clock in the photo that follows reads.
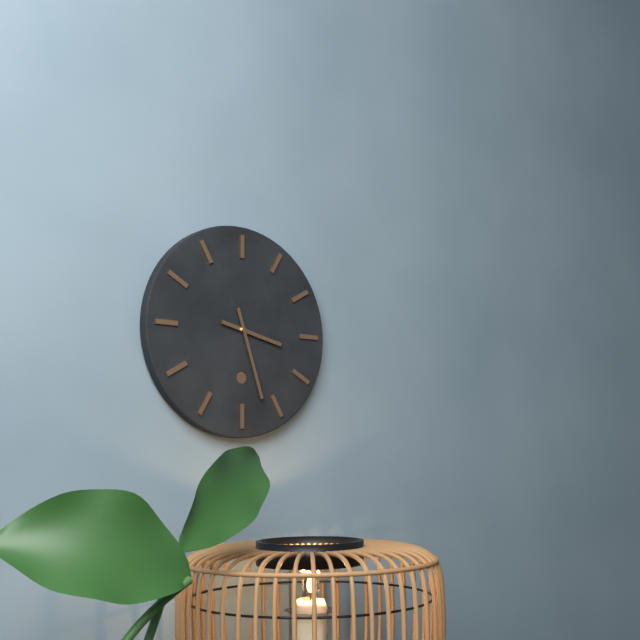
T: 3 h 27 min
